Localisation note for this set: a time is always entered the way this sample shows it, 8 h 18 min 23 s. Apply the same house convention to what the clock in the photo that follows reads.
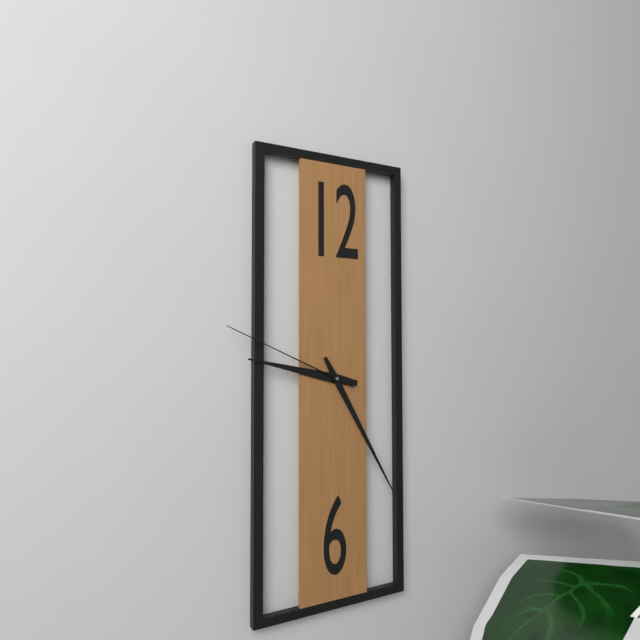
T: 9 h 25 min 49 s
